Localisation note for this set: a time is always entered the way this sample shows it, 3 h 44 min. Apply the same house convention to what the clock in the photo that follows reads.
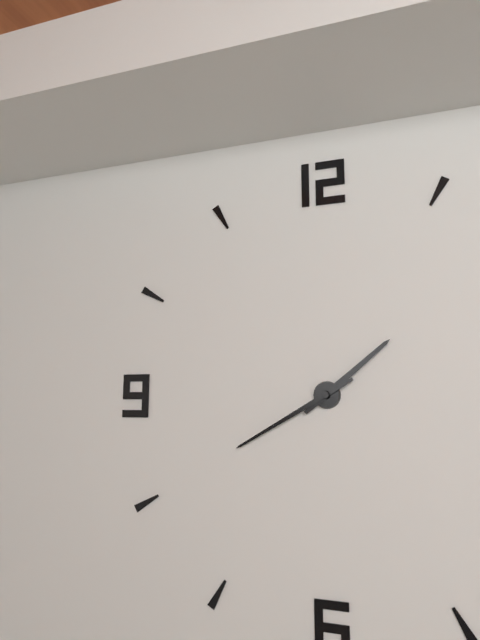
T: 1 h 40 min
